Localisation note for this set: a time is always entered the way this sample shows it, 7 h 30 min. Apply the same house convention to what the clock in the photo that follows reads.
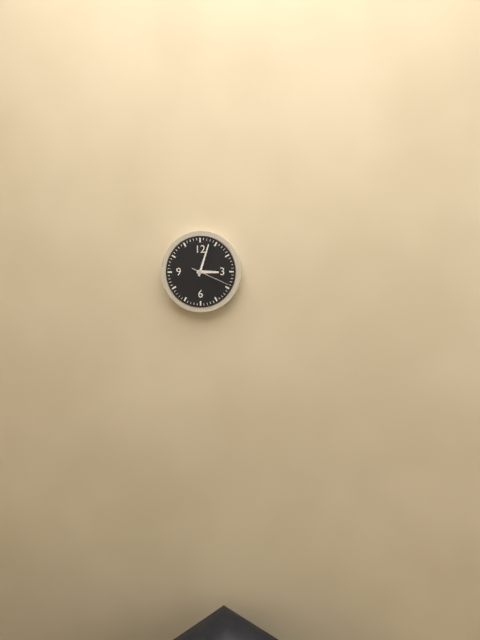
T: 3 h 03 min
